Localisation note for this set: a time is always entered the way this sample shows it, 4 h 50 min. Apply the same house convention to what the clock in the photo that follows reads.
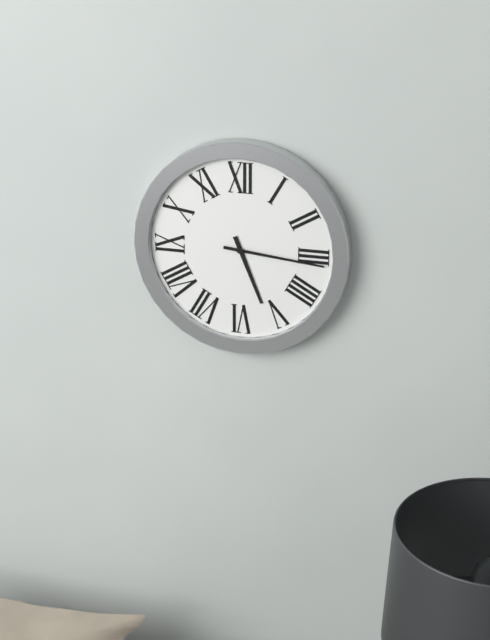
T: 5 h 16 min
